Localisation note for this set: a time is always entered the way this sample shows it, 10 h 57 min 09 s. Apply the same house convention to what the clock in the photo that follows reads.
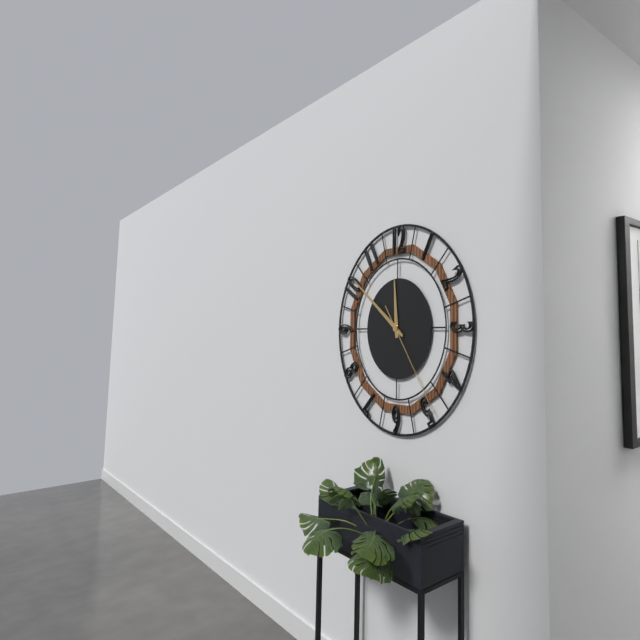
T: 11 h 51 min 24 s
